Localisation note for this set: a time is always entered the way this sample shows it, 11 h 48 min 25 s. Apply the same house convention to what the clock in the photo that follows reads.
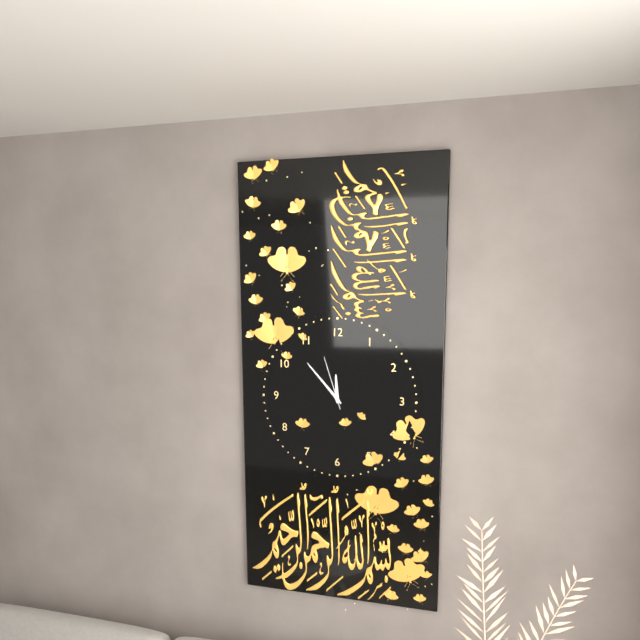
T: 11 h 53 min 57 s
